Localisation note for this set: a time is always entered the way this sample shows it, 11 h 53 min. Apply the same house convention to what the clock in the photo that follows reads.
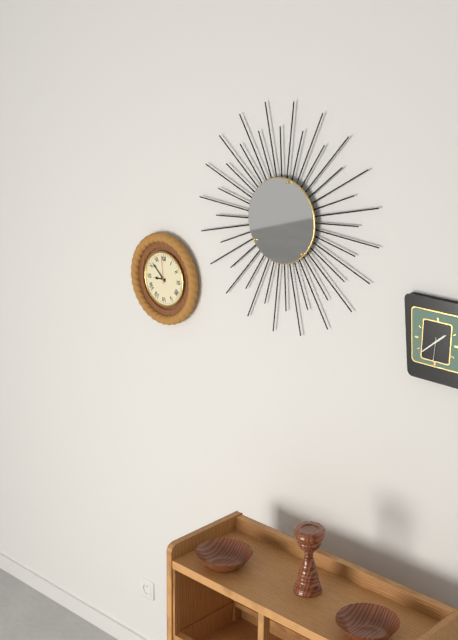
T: 8 h 52 min
